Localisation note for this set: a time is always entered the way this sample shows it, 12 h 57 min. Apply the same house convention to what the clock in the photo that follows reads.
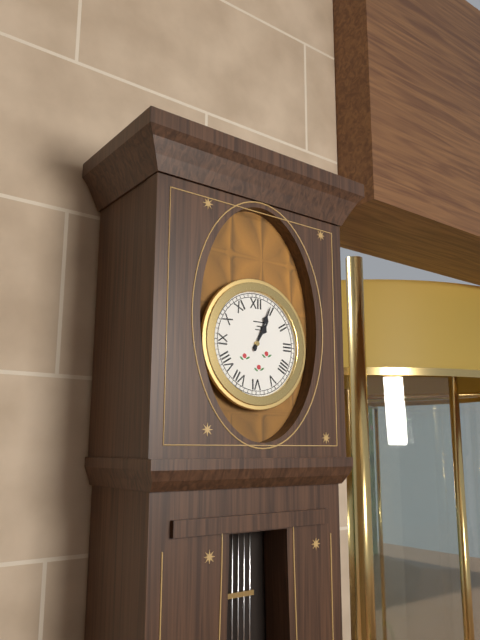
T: 1 h 04 min
